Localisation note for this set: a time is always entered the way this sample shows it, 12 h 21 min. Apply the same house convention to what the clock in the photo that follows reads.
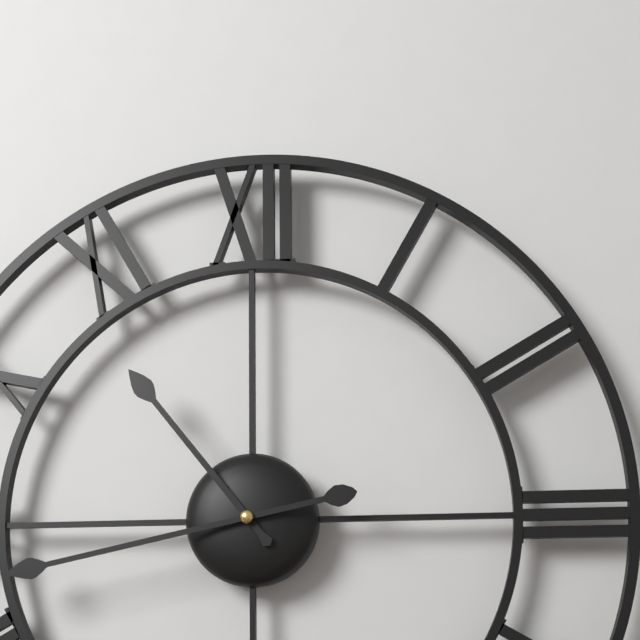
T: 10 h 43 min
